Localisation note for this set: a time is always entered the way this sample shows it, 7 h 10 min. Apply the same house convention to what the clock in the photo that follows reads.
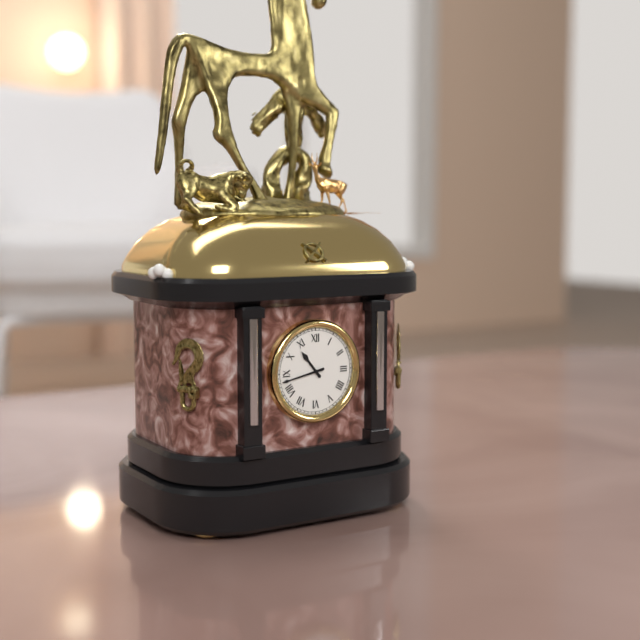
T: 10 h 43 min
